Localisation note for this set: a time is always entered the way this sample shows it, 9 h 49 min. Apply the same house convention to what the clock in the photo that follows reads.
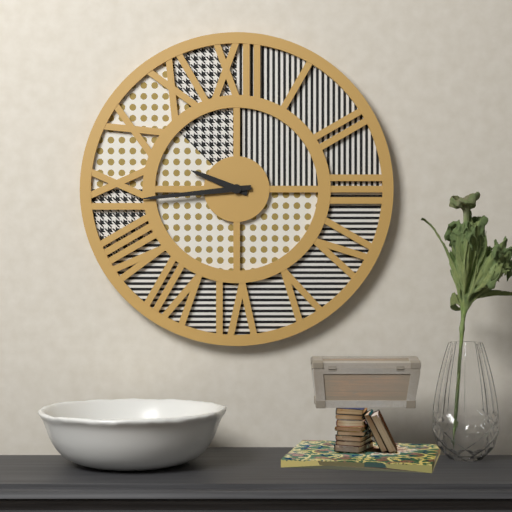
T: 9 h 44 min
